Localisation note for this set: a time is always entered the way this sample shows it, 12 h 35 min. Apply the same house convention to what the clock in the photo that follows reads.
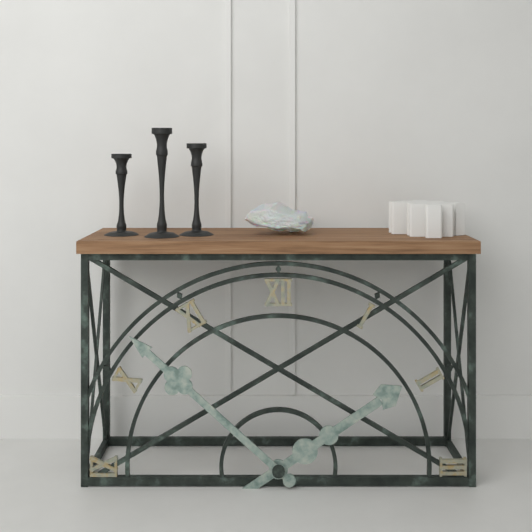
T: 1 h 52 min
